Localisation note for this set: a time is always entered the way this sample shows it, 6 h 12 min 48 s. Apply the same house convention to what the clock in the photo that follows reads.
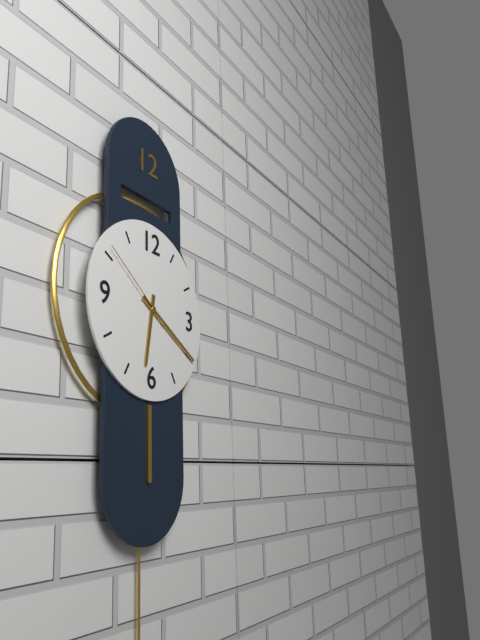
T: 6 h 20 min 51 s
